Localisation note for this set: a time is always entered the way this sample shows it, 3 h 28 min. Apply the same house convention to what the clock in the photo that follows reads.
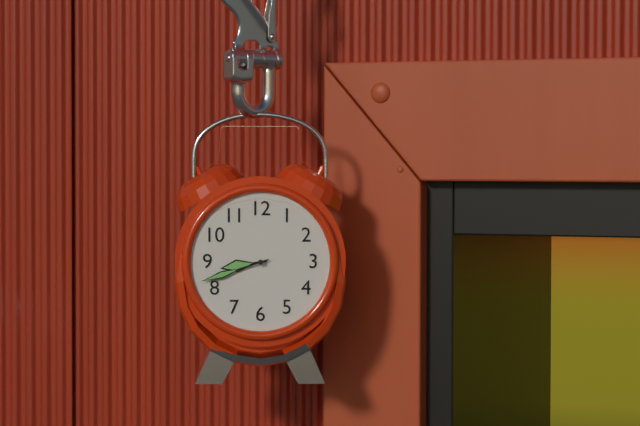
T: 8 h 42 min
